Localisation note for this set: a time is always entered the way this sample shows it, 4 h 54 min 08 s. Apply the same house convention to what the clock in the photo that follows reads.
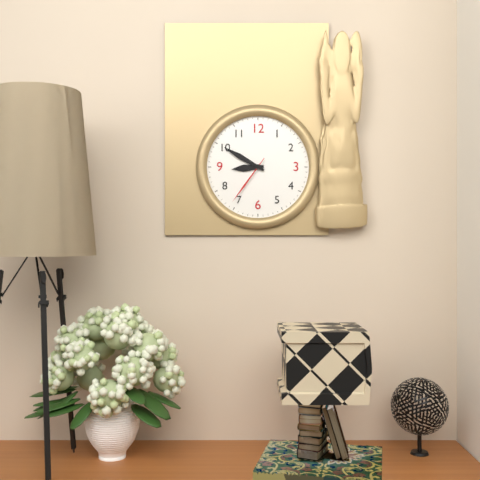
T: 8 h 50 min 36 s
